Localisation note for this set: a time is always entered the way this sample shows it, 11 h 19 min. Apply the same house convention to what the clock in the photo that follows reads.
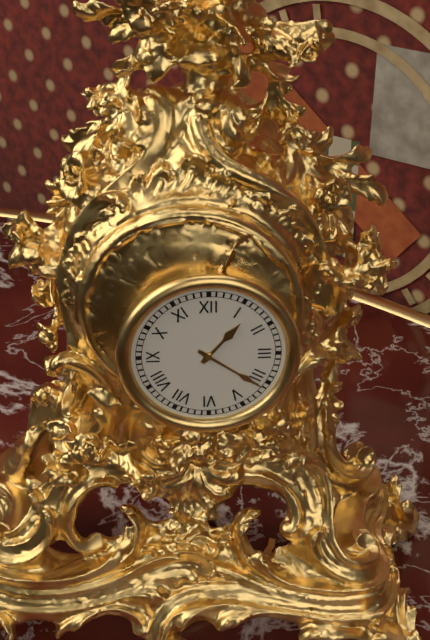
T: 1 h 21 min
